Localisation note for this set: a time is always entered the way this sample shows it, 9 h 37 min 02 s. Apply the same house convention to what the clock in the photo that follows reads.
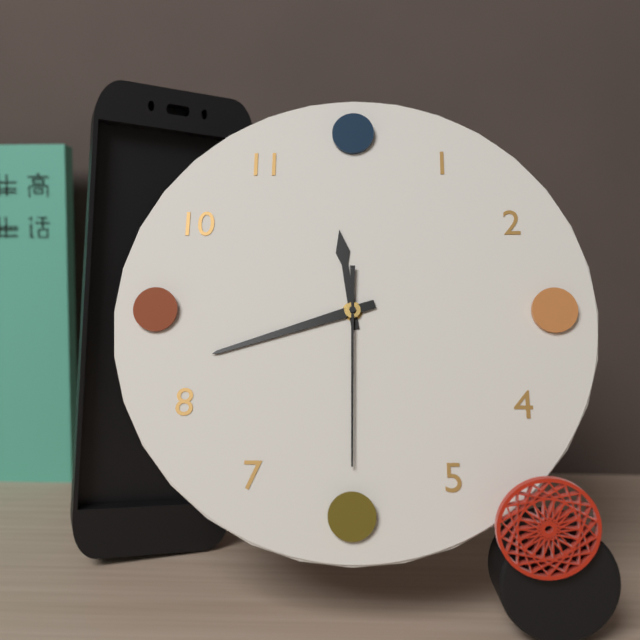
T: 11 h 42 min 30 s
